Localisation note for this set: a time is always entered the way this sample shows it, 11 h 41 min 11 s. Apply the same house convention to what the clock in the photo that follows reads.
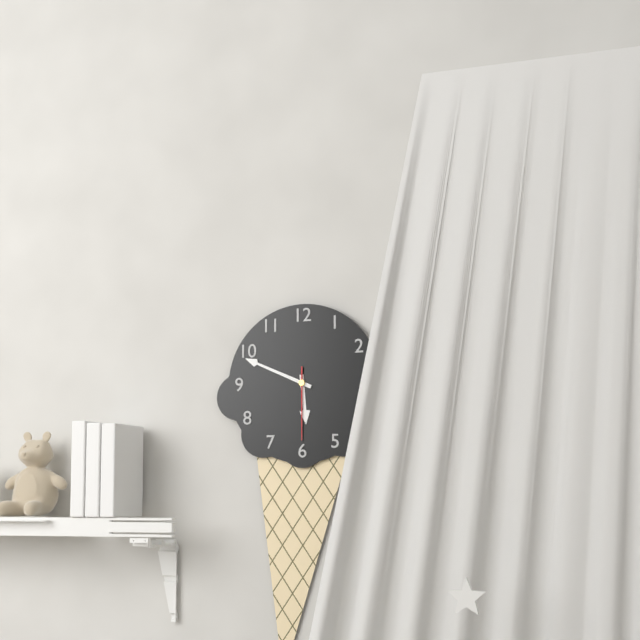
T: 5 h 49 min 30 s
